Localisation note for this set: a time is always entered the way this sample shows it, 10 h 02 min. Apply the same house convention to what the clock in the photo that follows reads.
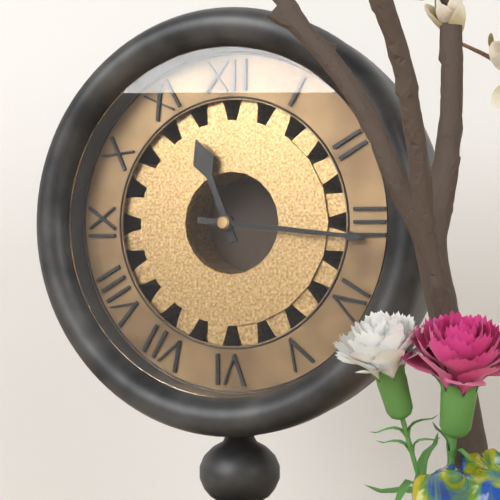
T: 11 h 16 min
